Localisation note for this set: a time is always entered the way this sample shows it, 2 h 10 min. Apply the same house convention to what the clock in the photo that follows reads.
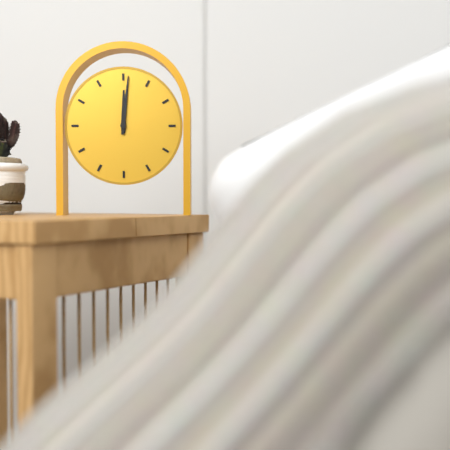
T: 12 h 01 min
